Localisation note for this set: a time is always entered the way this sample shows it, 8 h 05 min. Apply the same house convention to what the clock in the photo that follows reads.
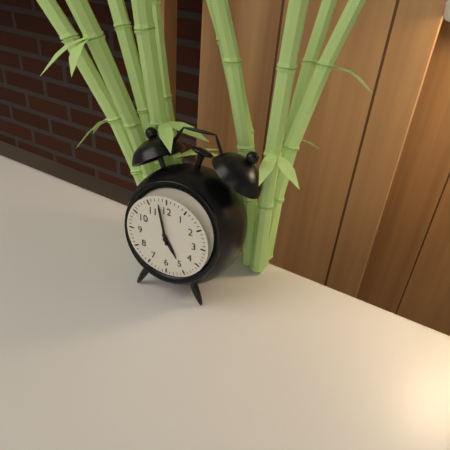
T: 4 h 58 min
